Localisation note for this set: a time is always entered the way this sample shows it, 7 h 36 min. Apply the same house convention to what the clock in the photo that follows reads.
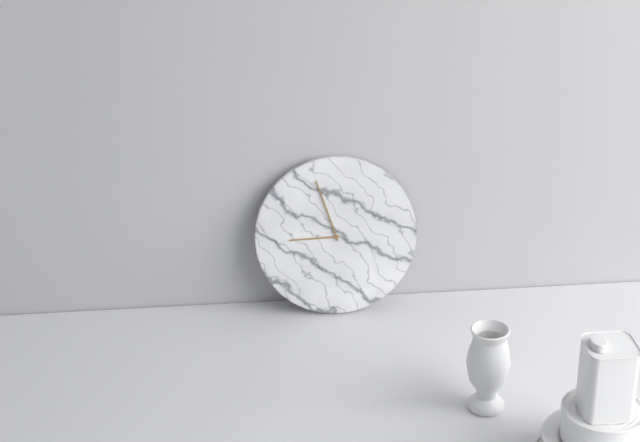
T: 8 h 57 min
